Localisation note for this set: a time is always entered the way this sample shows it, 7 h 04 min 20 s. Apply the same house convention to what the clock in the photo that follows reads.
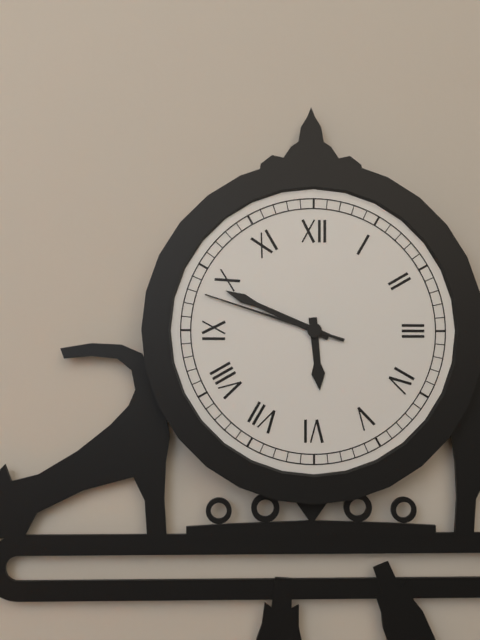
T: 5 h 49 min 48 s
